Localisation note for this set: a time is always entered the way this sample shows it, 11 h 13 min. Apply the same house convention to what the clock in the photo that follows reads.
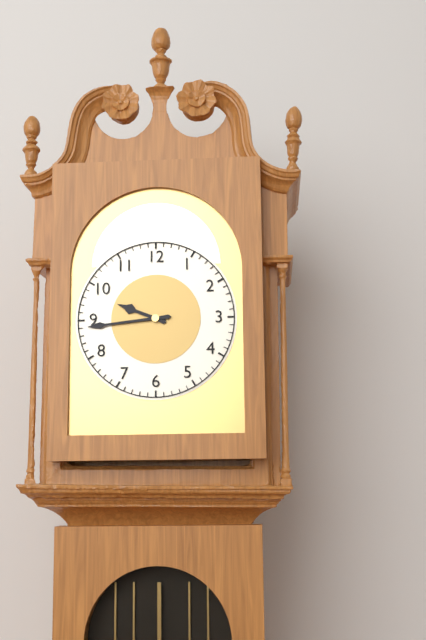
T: 9 h 44 min
